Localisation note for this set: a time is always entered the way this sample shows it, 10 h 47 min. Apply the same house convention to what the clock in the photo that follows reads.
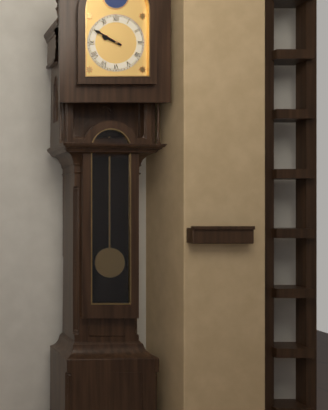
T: 9 h 50 min
